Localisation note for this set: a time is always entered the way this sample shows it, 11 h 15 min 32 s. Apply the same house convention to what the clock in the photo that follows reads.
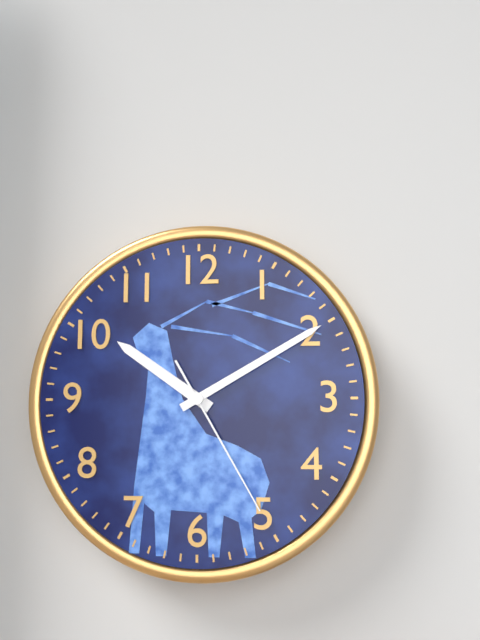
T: 10 h 10 min 25 s
